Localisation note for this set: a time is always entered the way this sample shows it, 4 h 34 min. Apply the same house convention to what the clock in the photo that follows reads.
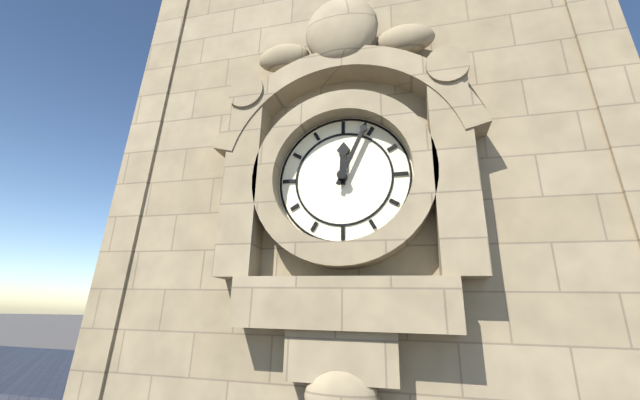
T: 12 h 04 min
